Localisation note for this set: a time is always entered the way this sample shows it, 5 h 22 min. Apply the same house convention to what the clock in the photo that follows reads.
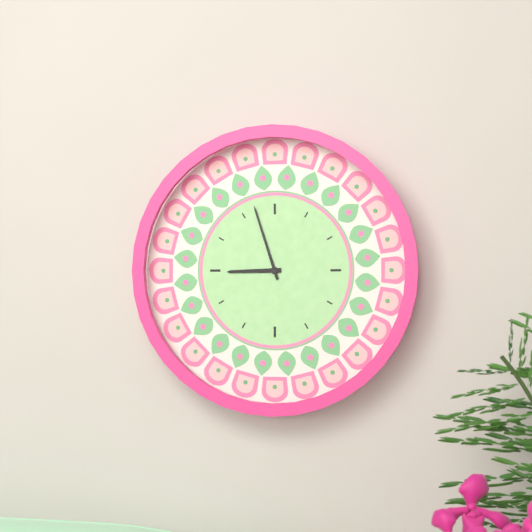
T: 8 h 57 min
